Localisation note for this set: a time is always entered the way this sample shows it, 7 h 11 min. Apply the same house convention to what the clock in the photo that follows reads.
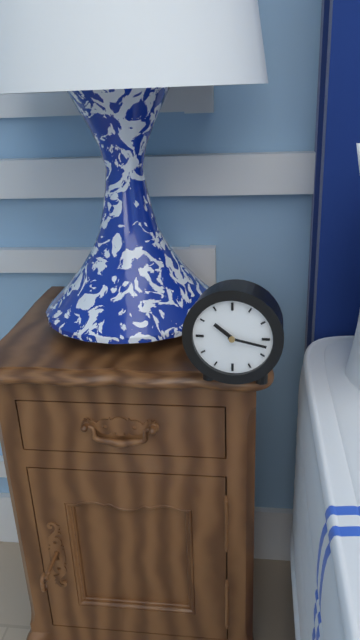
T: 10 h 17 min
